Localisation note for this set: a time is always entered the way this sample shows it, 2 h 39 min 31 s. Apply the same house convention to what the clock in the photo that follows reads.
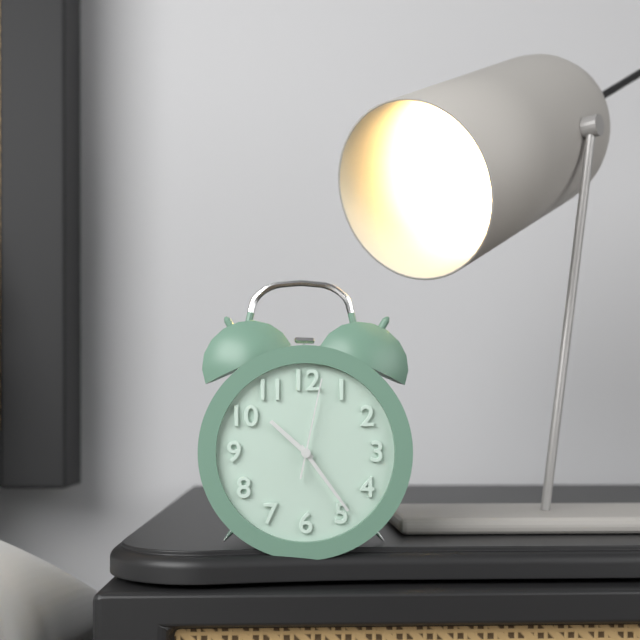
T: 10 h 24 min 02 s
